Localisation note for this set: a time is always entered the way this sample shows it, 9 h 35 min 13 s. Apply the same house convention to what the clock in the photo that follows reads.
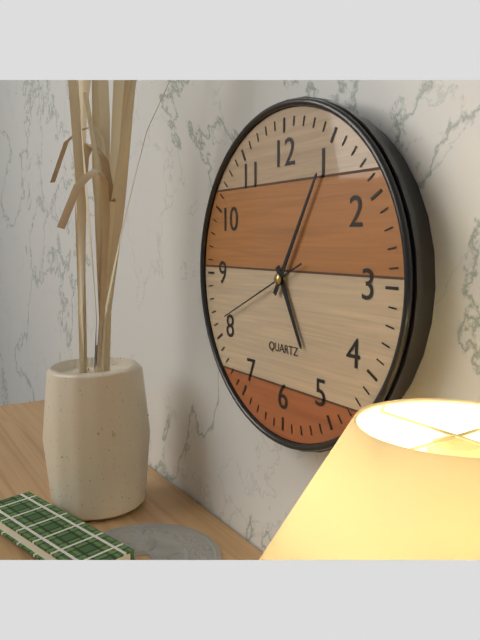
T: 5 h 05 min 41 s
